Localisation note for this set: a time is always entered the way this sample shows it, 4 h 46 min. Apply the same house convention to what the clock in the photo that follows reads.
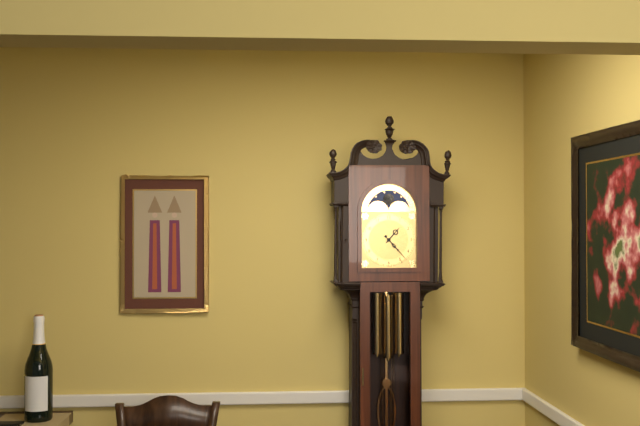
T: 1 h 23 min
